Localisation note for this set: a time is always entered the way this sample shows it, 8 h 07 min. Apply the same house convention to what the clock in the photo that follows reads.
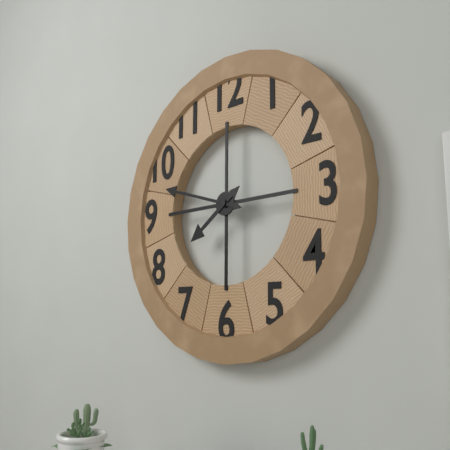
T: 7 h 48 min
